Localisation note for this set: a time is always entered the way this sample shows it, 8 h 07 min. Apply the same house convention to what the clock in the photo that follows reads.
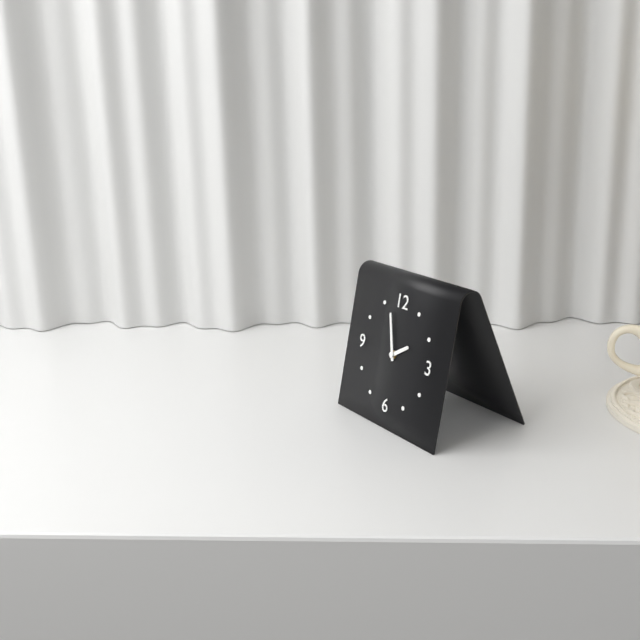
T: 1 h 57 min
